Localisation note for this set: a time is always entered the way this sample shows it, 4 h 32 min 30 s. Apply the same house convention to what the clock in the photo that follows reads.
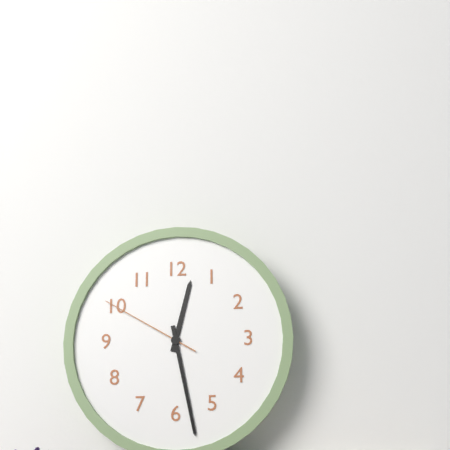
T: 12 h 28 min 50 s
